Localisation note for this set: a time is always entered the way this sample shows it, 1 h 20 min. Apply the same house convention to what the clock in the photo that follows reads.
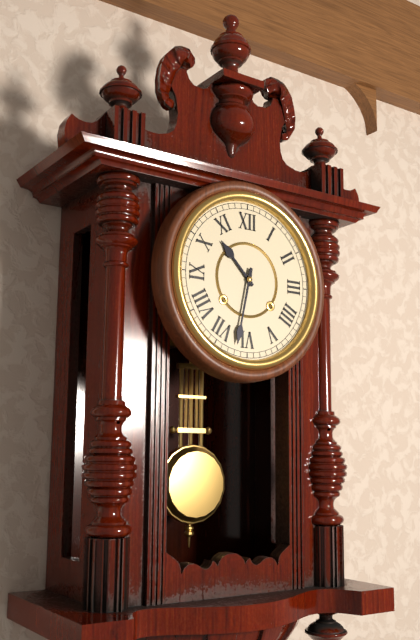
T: 10 h 32 min
